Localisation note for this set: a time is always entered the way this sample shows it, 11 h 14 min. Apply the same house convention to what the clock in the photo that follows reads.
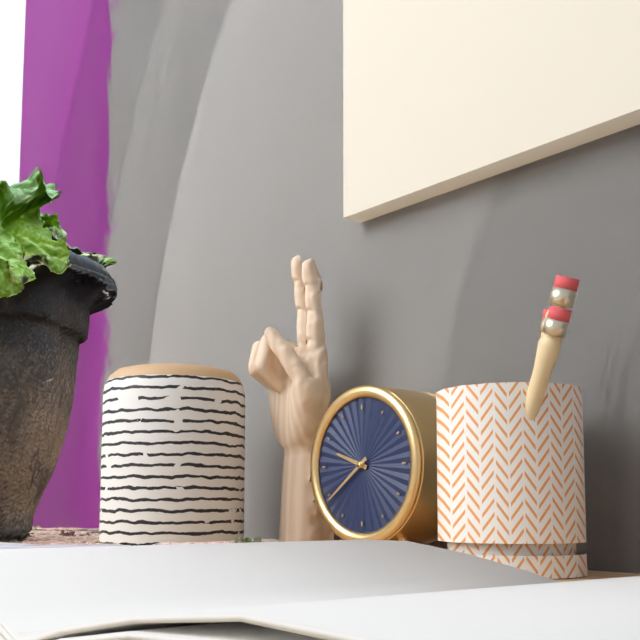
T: 9 h 39 min
